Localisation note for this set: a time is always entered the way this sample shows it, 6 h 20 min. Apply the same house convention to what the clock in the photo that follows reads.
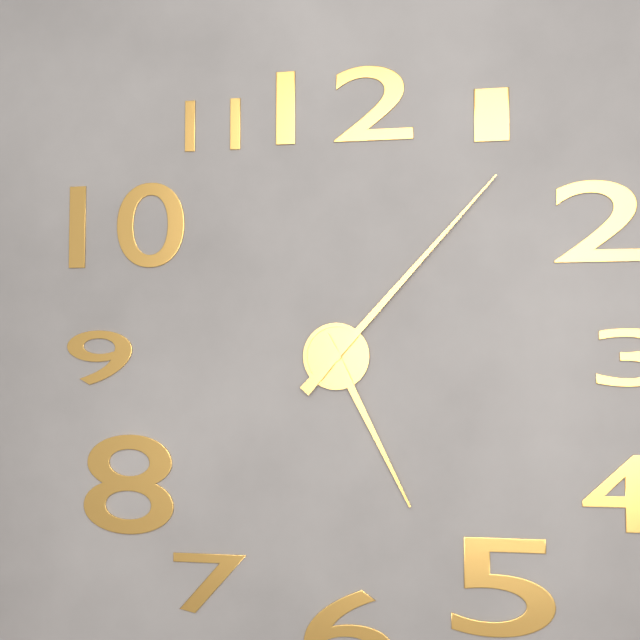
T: 5 h 07 min
